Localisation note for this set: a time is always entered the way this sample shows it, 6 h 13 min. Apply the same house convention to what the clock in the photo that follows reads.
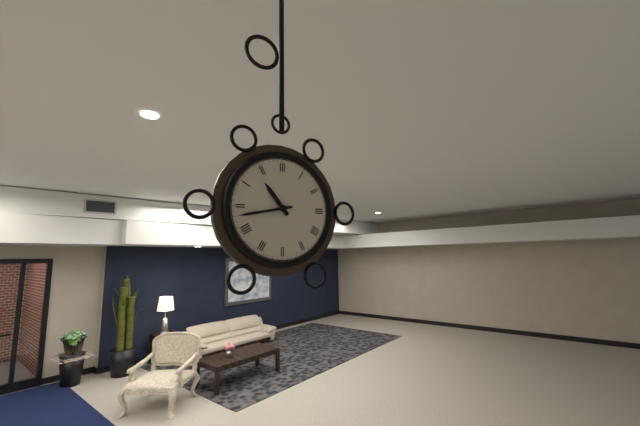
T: 10 h 43 min
